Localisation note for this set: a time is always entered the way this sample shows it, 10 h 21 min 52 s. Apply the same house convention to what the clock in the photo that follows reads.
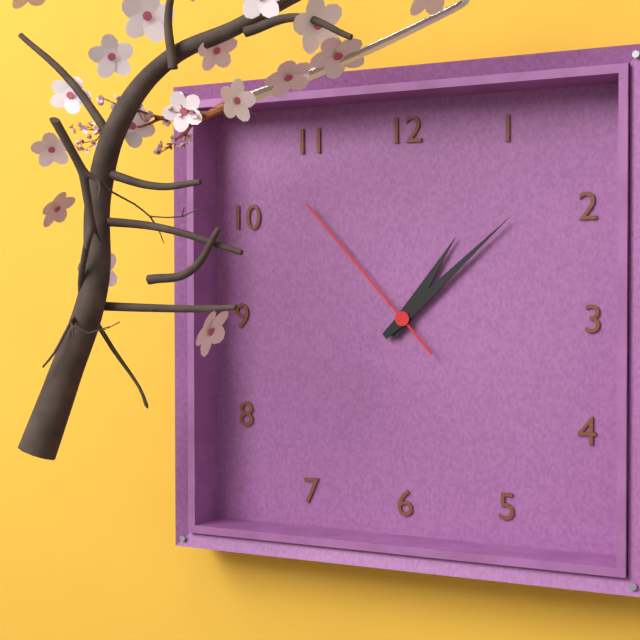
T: 1 h 08 min 53 s
